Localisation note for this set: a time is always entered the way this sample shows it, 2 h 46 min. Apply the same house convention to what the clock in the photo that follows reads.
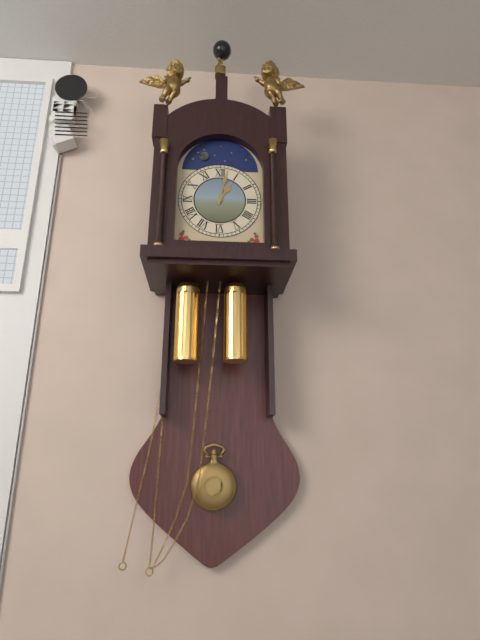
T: 1 h 02 min
